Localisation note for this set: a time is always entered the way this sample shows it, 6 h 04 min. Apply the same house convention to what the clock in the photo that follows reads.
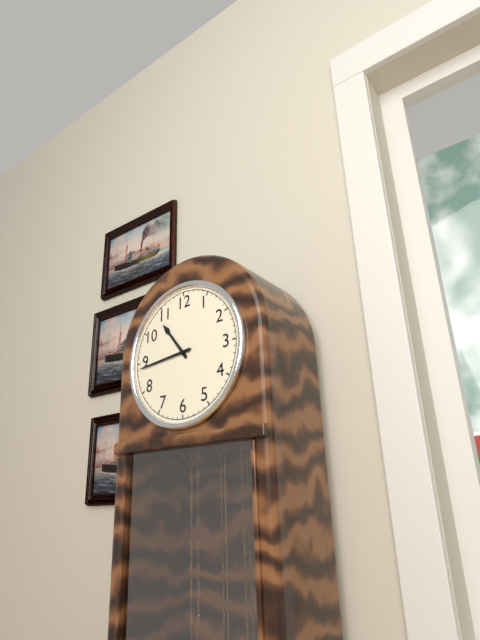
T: 10 h 44 min
